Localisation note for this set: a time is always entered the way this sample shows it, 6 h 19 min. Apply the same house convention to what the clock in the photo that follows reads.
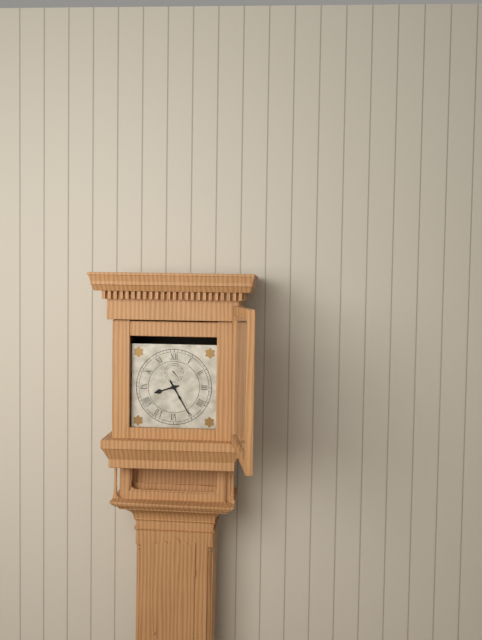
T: 8 h 25 min
